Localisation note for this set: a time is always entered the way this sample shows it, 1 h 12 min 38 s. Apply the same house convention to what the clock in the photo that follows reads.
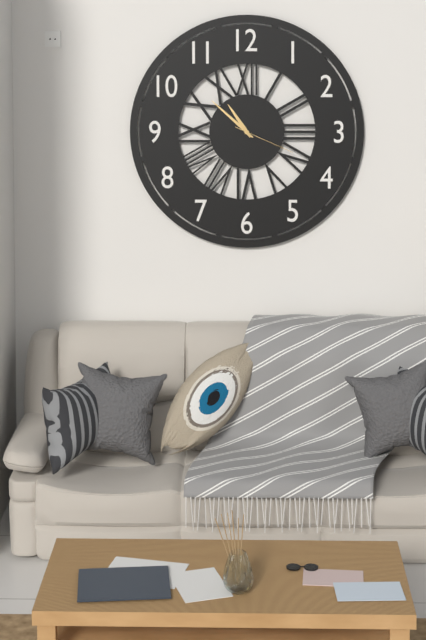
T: 10 h 52 min 19 s
